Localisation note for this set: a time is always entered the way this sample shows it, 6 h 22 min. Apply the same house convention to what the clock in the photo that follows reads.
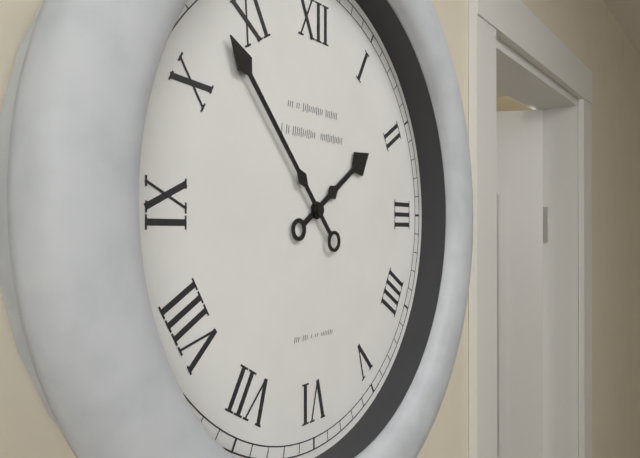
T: 1 h 53 min
